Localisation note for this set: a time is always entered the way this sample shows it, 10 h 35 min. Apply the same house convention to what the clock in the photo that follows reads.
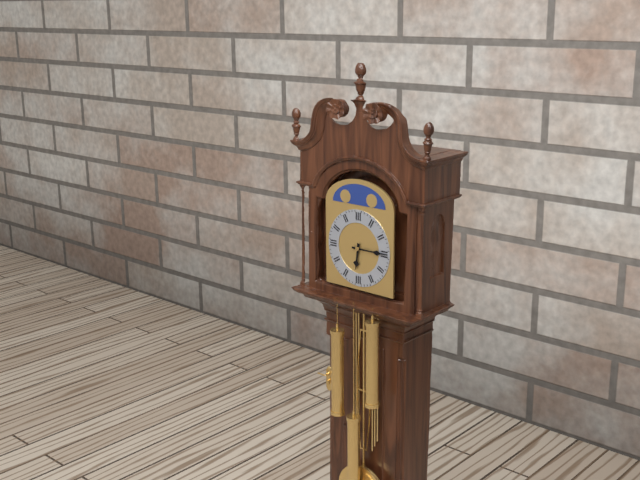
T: 6 h 15 min
